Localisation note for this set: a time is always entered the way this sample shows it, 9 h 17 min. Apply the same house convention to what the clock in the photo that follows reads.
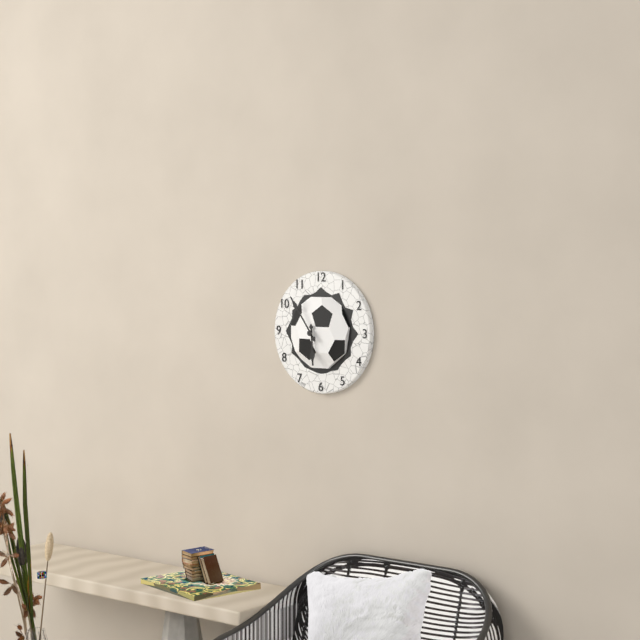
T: 5 h 54 min
